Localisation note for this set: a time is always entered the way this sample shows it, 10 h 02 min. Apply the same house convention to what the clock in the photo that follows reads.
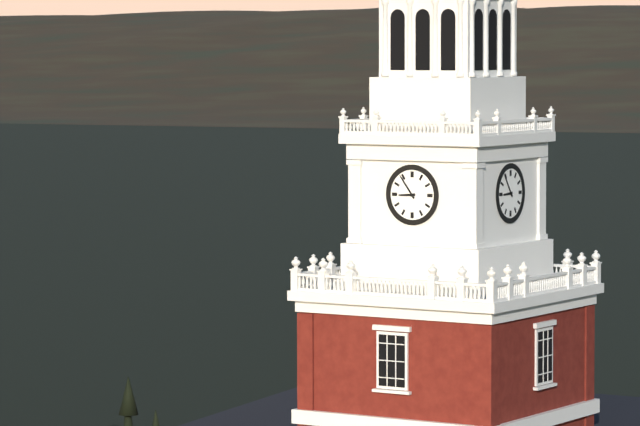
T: 8 h 54 min
